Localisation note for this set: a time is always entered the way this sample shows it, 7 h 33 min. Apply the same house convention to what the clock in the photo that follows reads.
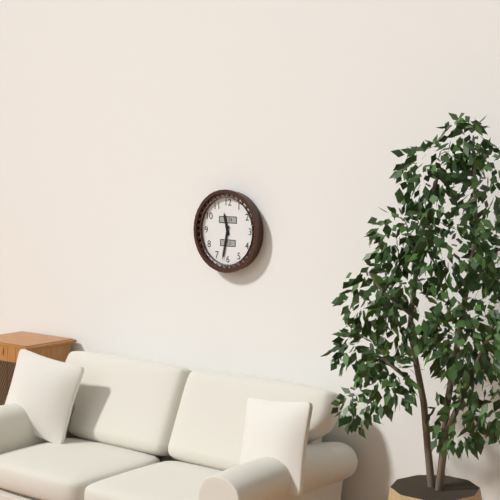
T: 11 h 32 min
